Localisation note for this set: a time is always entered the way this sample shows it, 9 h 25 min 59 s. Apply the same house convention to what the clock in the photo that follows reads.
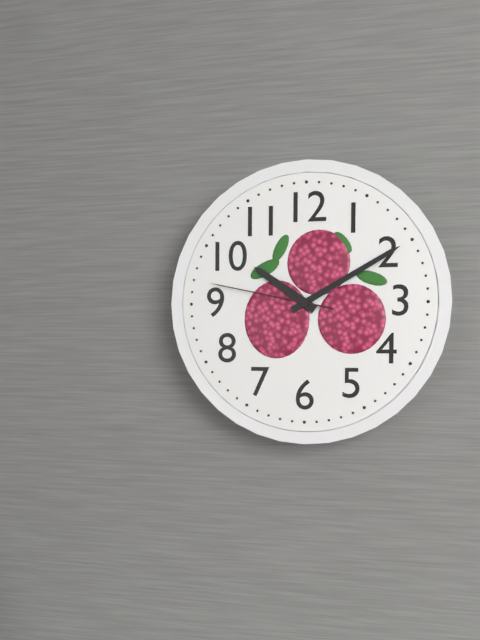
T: 10 h 10 min 47 s
